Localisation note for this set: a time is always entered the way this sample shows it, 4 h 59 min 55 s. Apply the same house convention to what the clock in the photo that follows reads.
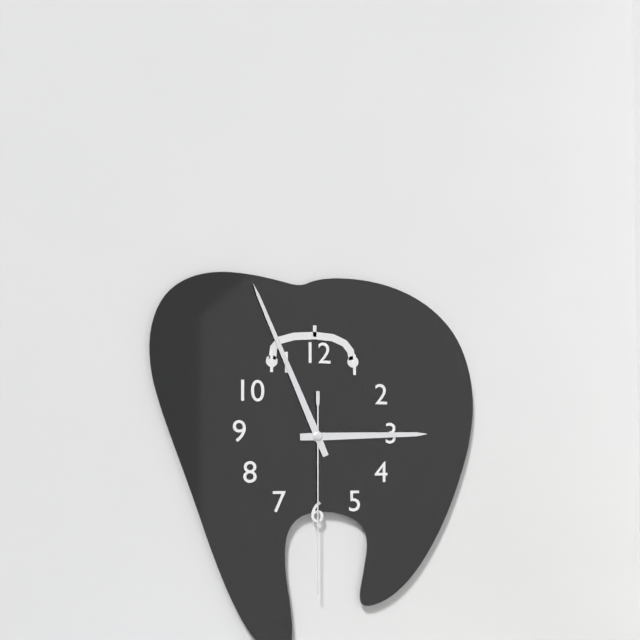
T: 2 h 56 min 30 s
